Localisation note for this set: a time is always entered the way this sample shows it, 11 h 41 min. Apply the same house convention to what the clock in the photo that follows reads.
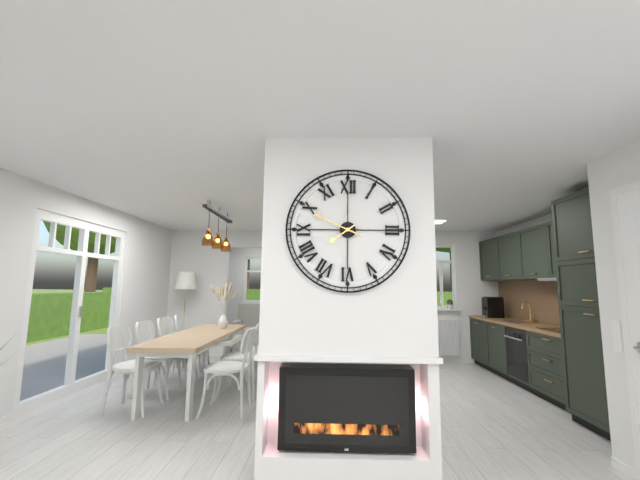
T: 7 h 49 min
